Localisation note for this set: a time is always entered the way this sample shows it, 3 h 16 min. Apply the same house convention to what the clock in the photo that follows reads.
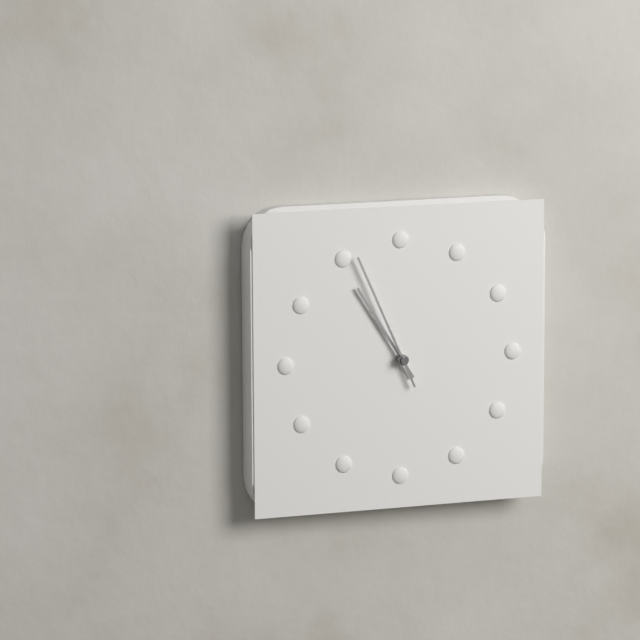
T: 10 h 56 min
